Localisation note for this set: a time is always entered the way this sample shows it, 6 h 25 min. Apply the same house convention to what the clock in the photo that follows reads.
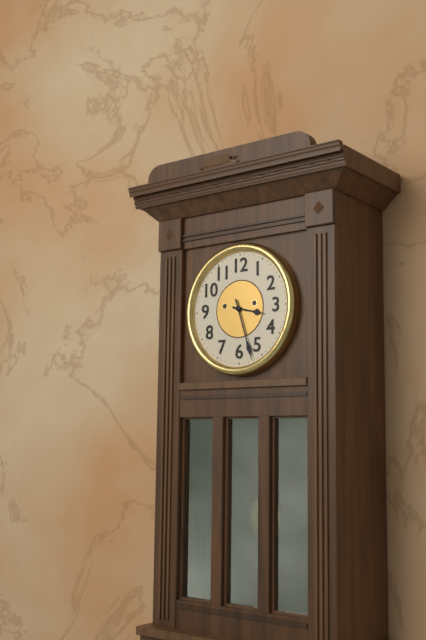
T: 3 h 27 min
